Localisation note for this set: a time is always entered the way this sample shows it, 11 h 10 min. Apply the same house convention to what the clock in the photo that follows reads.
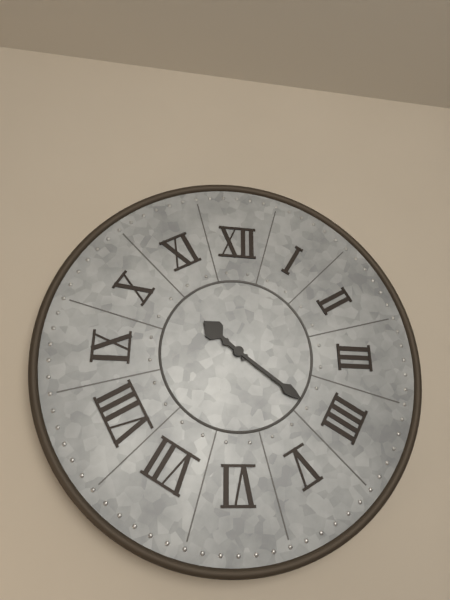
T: 10 h 21 min
